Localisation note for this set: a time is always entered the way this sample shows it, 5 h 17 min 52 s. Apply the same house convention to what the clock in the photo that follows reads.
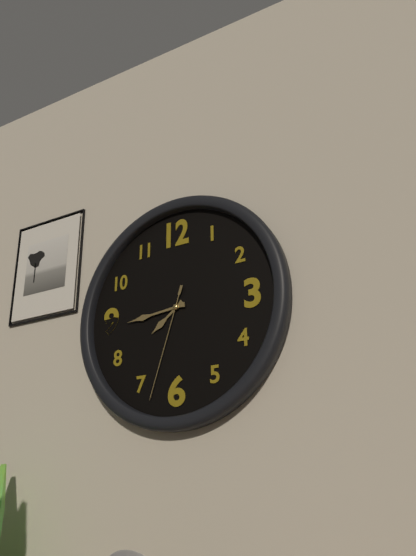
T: 7 h 44 min 33 s
